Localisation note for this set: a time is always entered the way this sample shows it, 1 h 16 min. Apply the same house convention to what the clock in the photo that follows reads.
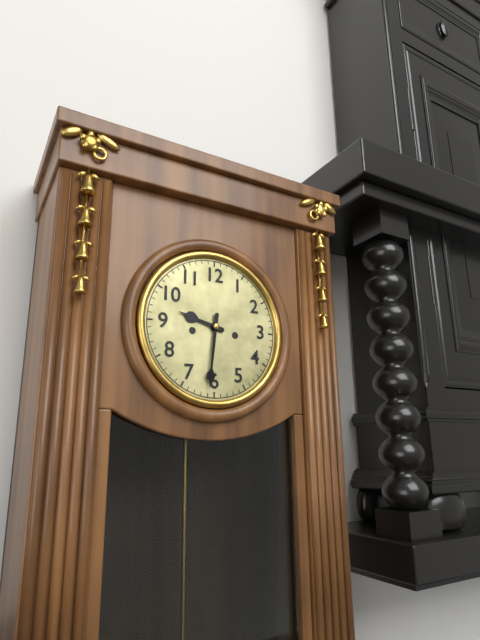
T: 9 h 31 min
